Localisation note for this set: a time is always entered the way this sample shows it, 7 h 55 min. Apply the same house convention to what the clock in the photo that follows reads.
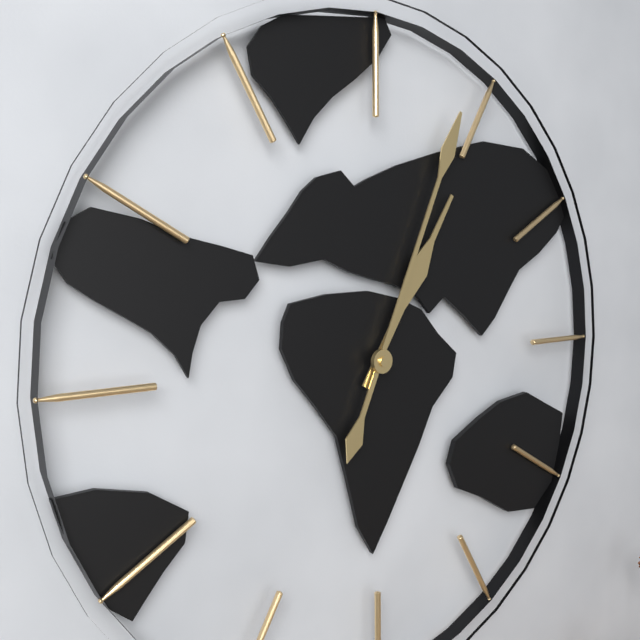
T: 1 h 04 min
